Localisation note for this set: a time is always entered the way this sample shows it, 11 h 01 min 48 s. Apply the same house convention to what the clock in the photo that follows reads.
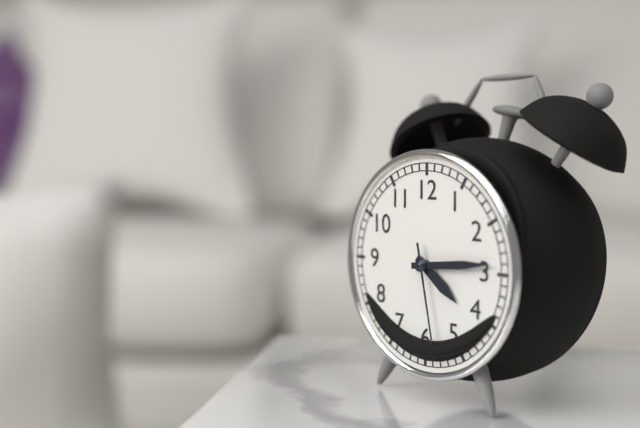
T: 4 h 14 min 28 s
